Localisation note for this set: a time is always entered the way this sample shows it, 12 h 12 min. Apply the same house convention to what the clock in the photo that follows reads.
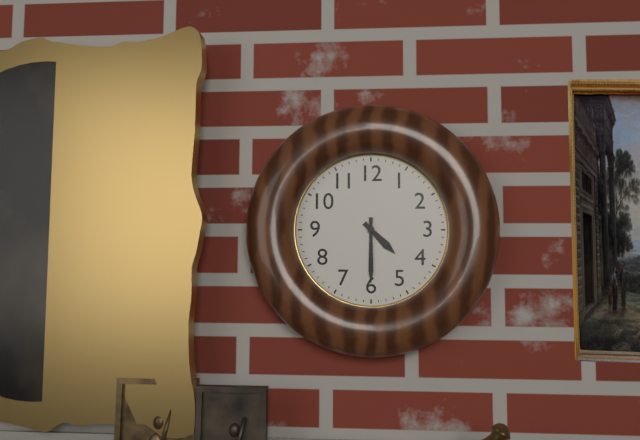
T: 4 h 30 min
